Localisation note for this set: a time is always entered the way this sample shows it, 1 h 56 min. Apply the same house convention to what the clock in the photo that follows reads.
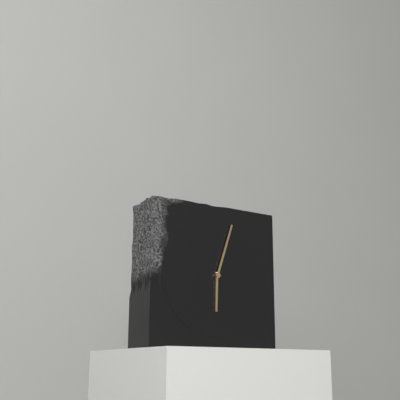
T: 6 h 03 min
